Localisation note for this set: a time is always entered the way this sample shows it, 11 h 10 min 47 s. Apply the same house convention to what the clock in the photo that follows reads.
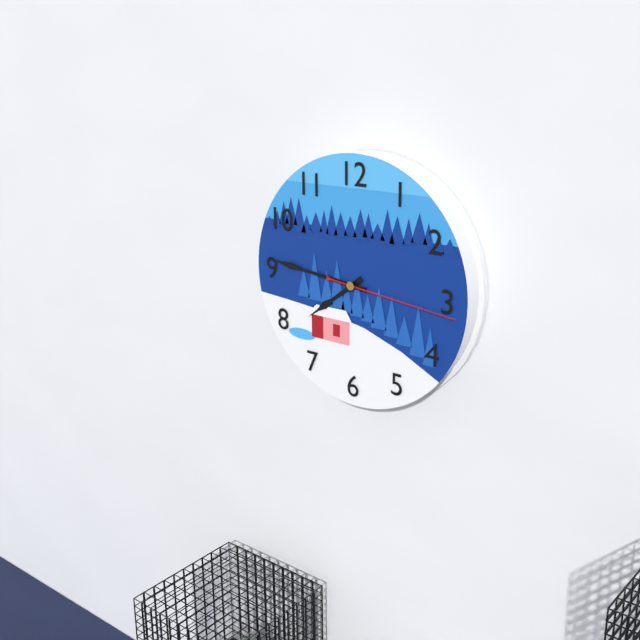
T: 7 h 46 min 16 s
